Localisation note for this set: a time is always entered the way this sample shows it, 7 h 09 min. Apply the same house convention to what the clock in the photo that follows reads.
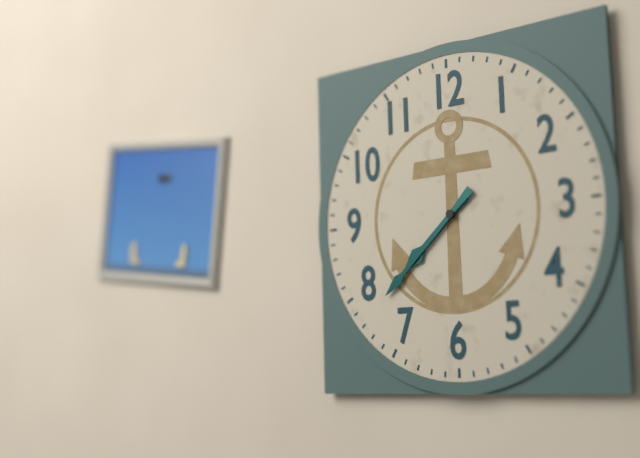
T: 7 h 38 min
